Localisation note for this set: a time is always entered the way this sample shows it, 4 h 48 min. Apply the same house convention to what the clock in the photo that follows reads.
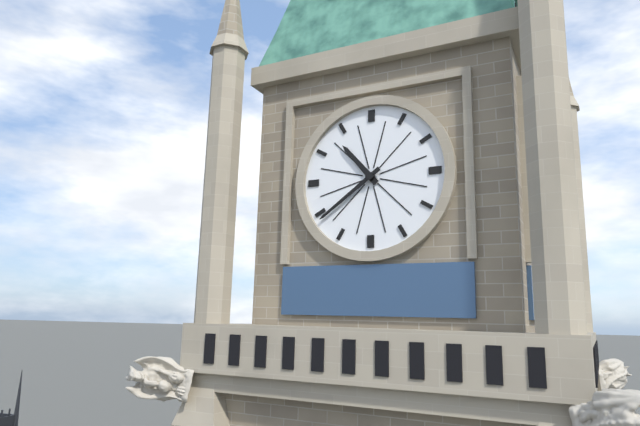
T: 10 h 39 min
